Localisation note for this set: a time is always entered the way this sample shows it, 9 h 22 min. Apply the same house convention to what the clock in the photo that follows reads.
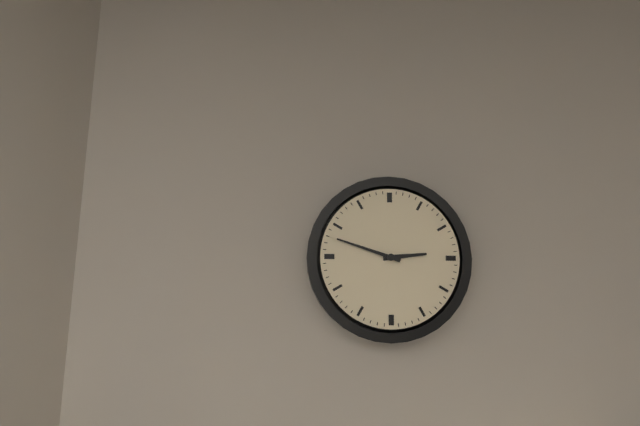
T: 2 h 48 min
